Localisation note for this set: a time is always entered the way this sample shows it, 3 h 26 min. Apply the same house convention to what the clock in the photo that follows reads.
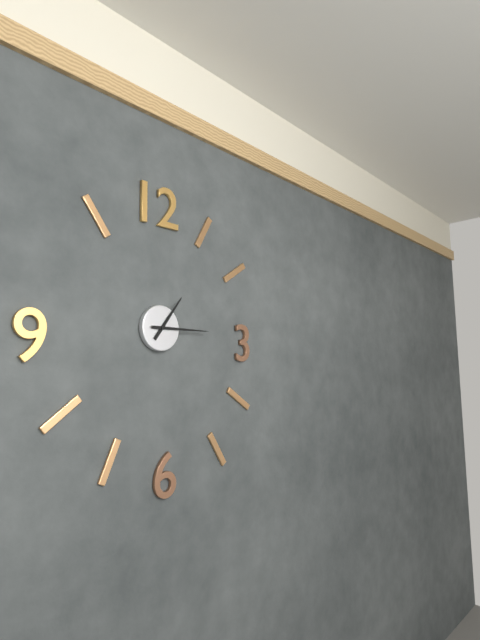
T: 1 h 15 min
